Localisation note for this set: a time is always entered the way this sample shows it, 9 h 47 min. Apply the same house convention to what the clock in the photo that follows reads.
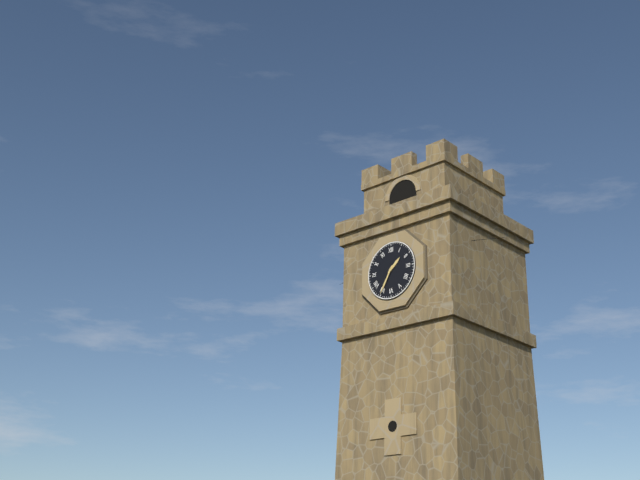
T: 1 h 35 min
